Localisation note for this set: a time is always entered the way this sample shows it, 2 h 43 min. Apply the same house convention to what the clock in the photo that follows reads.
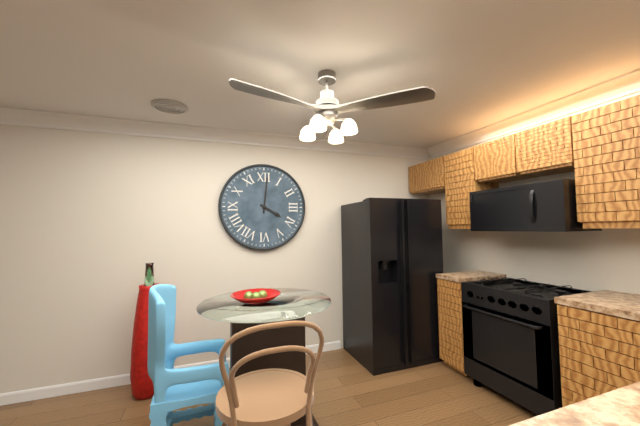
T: 4 h 01 min
